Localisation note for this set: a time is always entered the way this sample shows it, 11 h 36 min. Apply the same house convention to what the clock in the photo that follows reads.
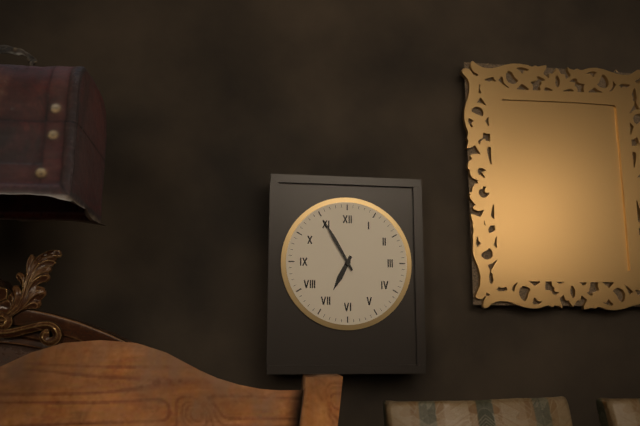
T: 6 h 55 min
